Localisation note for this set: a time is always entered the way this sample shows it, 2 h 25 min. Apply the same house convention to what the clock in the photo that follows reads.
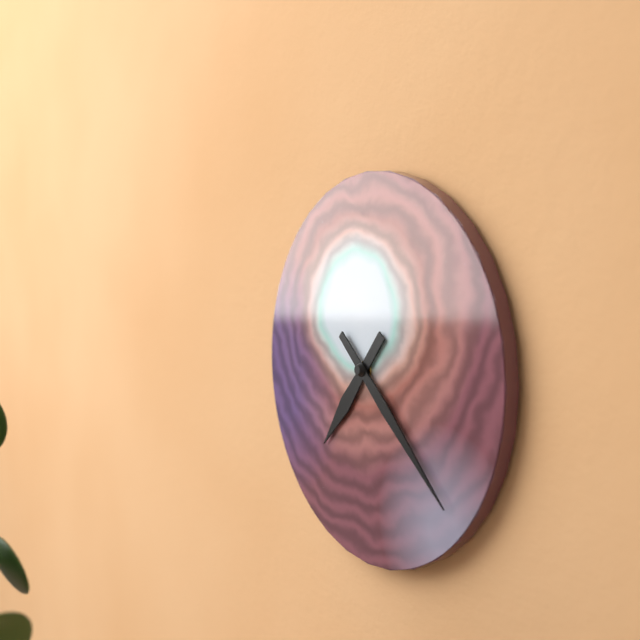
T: 7 h 22 min
